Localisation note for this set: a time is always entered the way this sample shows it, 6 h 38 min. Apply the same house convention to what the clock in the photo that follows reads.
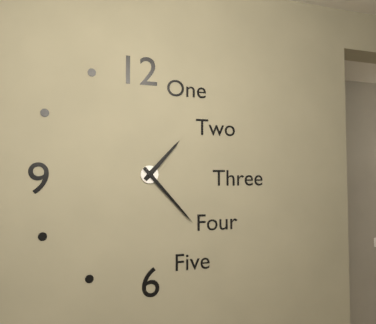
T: 1 h 23 min
